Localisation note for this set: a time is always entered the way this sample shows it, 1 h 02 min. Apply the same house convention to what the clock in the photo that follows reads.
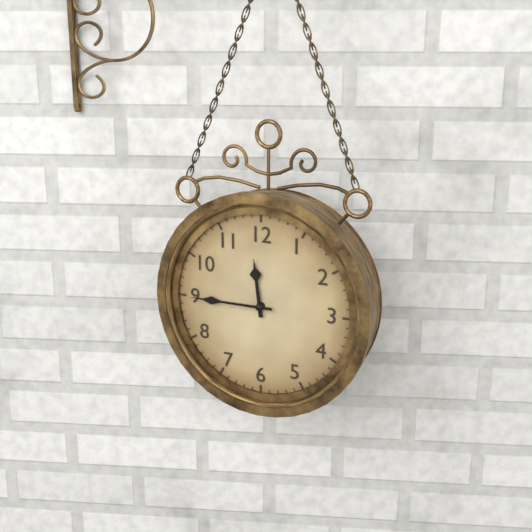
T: 11 h 45 min
